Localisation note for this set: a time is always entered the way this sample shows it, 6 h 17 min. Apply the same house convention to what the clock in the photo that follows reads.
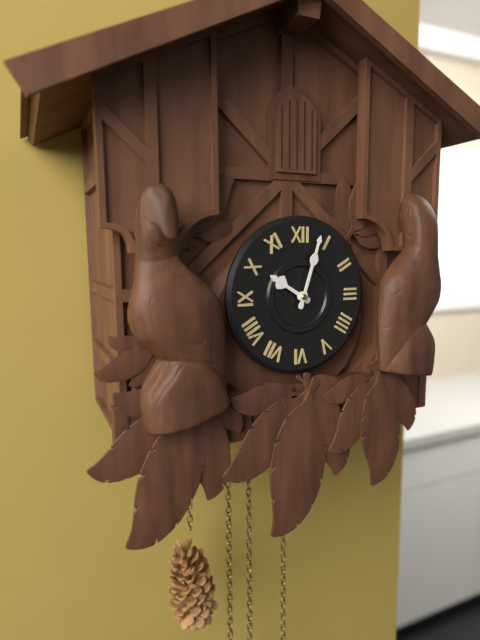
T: 10 h 03 min
